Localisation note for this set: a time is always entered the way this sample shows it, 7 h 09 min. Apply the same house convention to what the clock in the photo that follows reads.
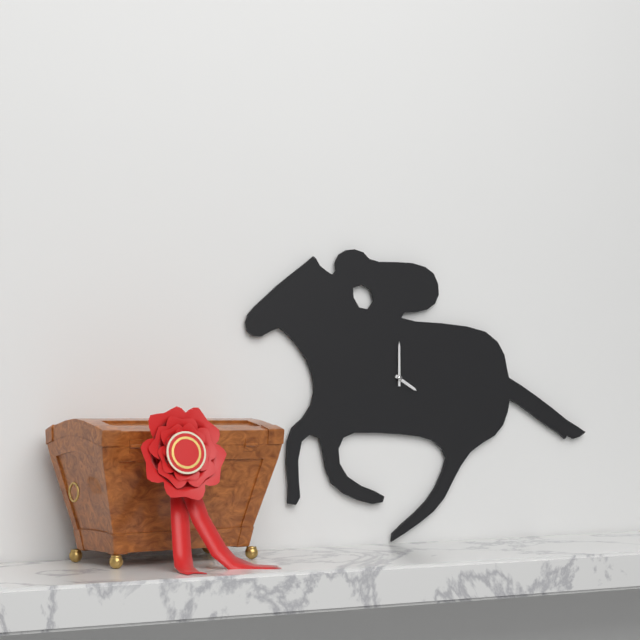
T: 4 h 00 min
